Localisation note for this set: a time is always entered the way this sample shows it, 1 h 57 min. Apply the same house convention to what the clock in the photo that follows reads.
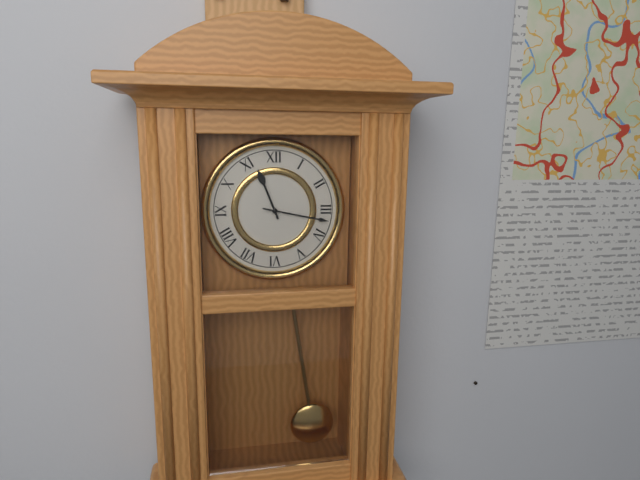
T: 11 h 17 min
